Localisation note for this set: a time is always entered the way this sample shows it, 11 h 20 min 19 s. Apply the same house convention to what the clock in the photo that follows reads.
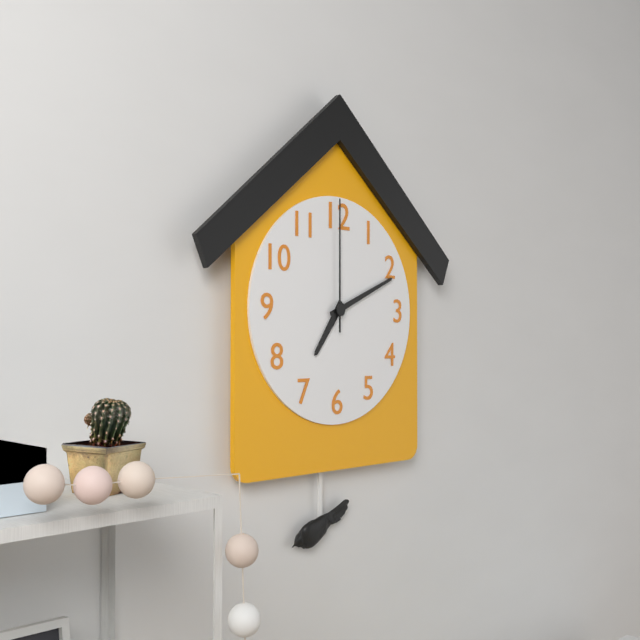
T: 7 h 11 min 00 s
